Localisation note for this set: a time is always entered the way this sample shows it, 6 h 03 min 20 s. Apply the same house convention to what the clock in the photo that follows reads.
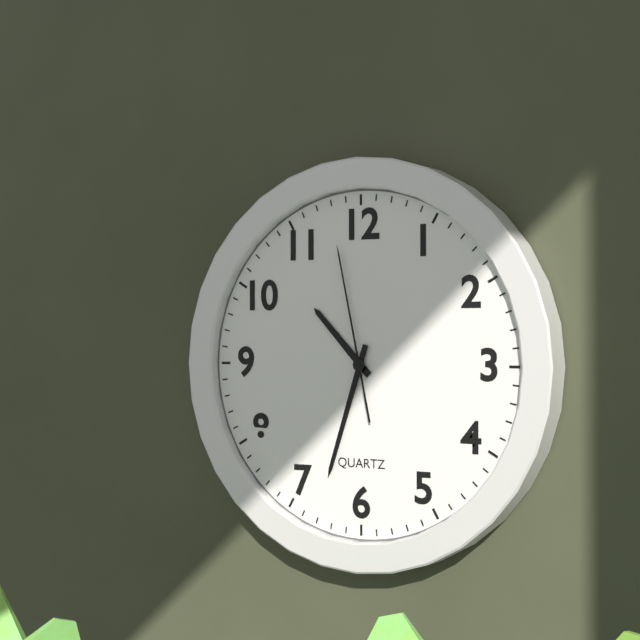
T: 10 h 33 min 58 s
